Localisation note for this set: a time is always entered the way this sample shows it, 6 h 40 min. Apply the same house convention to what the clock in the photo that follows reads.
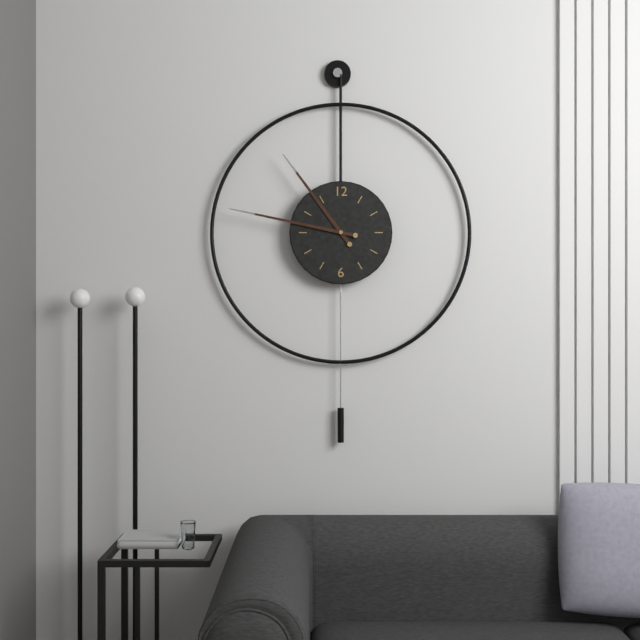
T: 10 h 47 min
